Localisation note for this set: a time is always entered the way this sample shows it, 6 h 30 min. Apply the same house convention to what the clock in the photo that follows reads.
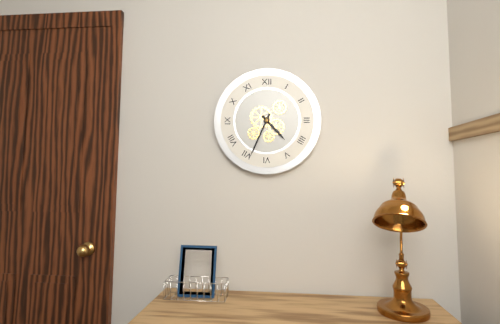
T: 4 h 34 min
